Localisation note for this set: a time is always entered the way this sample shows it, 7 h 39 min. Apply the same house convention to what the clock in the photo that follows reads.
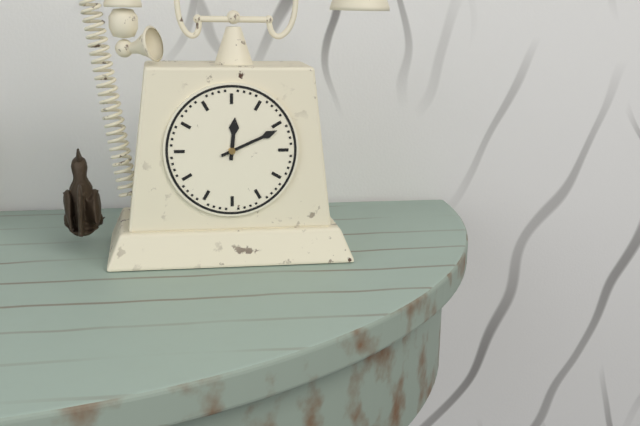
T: 12 h 11 min
